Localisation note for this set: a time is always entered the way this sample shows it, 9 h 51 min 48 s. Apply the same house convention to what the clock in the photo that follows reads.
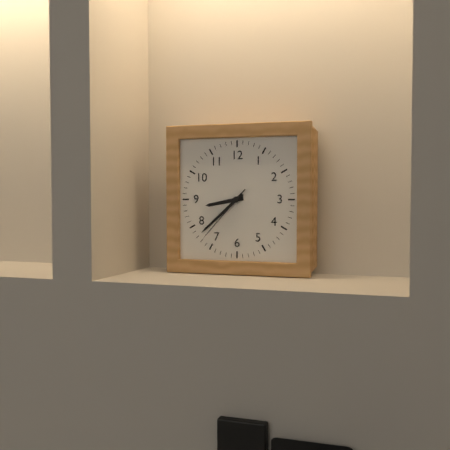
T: 8 h 38 min 37 s
